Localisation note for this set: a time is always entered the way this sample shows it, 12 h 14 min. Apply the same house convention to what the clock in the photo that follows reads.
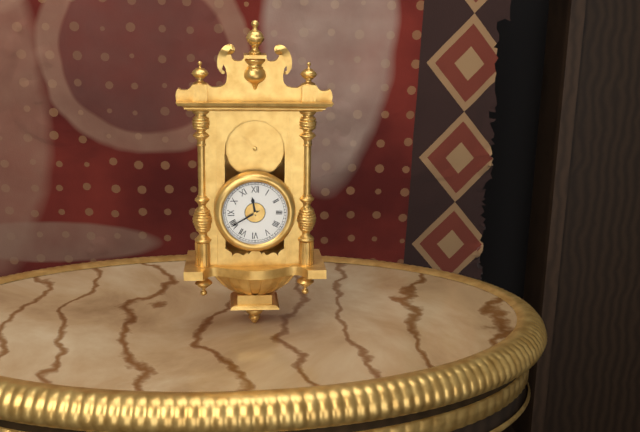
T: 11 h 40 min
